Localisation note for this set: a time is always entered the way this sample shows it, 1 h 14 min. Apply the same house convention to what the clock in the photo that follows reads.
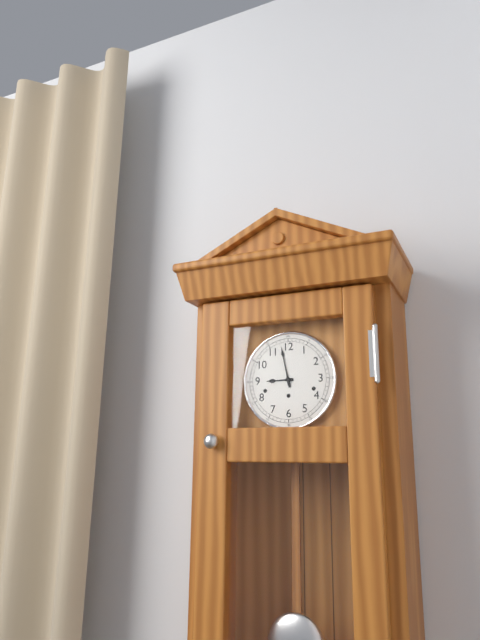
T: 8 h 58 min
